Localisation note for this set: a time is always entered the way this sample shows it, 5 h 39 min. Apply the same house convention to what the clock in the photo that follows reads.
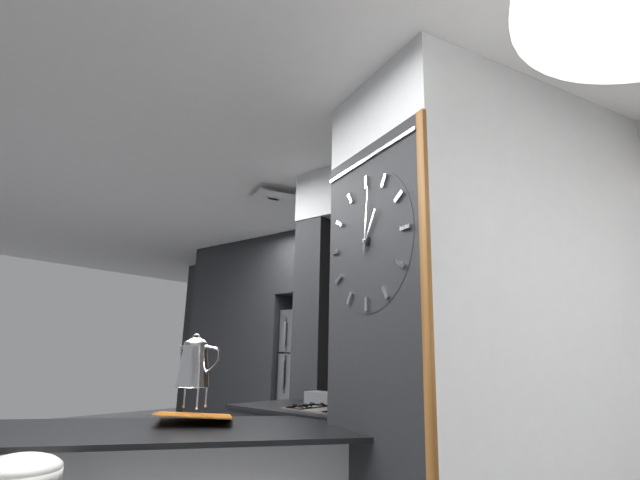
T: 1 h 01 min
